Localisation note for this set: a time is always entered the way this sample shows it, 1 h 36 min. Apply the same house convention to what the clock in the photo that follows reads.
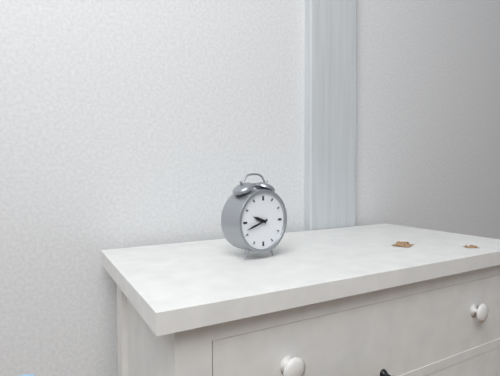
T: 9 h 42 min
